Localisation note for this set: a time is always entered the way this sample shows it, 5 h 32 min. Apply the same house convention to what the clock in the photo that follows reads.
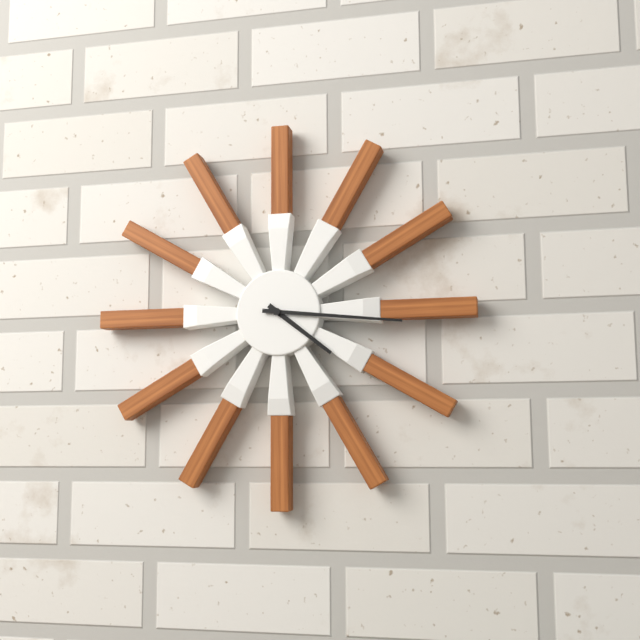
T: 4 h 16 min
